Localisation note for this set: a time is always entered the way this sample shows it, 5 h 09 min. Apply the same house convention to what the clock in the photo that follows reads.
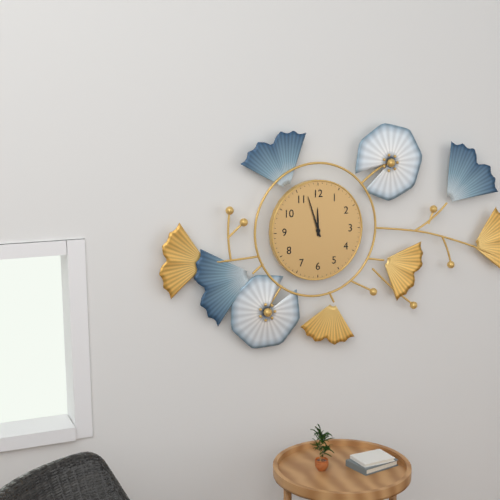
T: 11 h 57 min
